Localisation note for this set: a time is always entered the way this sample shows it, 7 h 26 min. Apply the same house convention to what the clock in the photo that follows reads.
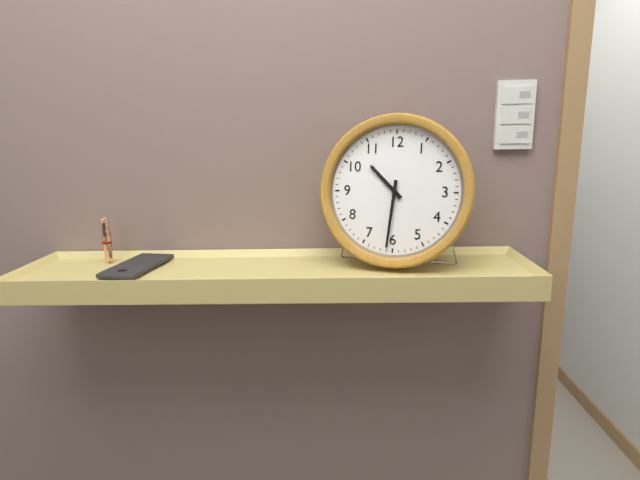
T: 10 h 31 min
